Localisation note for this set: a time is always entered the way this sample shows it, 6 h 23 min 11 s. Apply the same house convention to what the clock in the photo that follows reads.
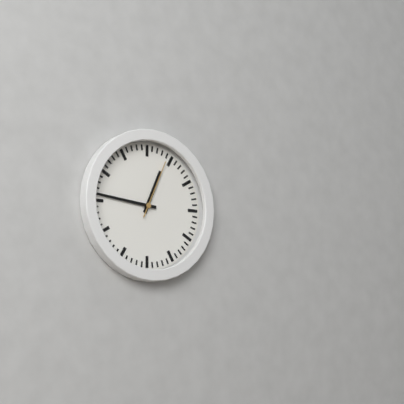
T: 12 h 46 min 04 s
